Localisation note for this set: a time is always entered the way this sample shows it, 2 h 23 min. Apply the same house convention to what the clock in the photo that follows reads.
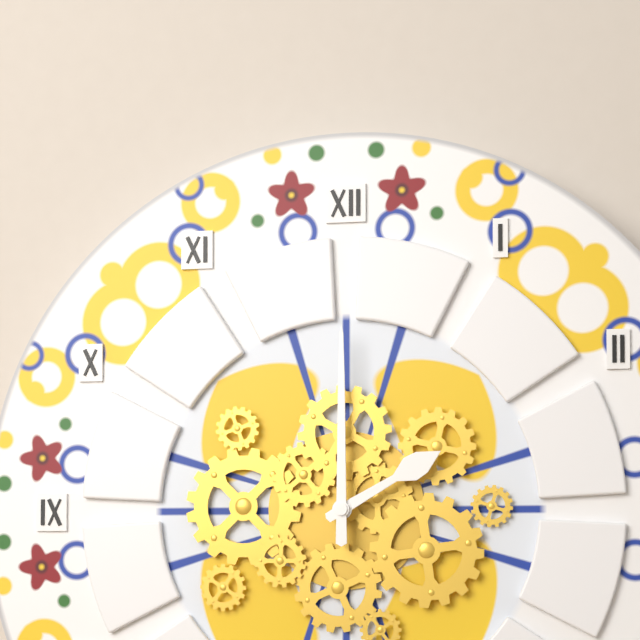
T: 2 h 00 min
